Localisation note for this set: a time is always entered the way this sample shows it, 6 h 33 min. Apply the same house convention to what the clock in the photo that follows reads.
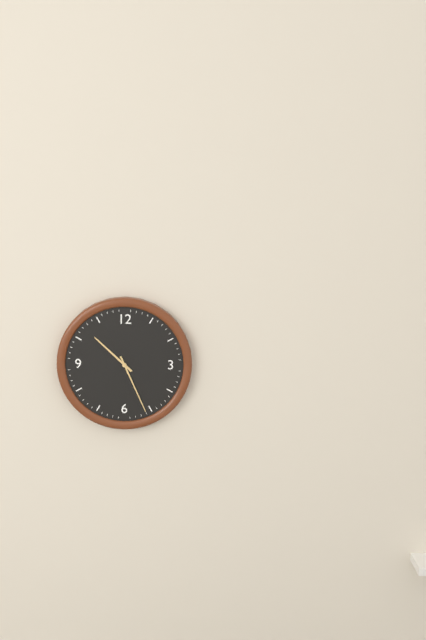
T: 10 h 26 min
